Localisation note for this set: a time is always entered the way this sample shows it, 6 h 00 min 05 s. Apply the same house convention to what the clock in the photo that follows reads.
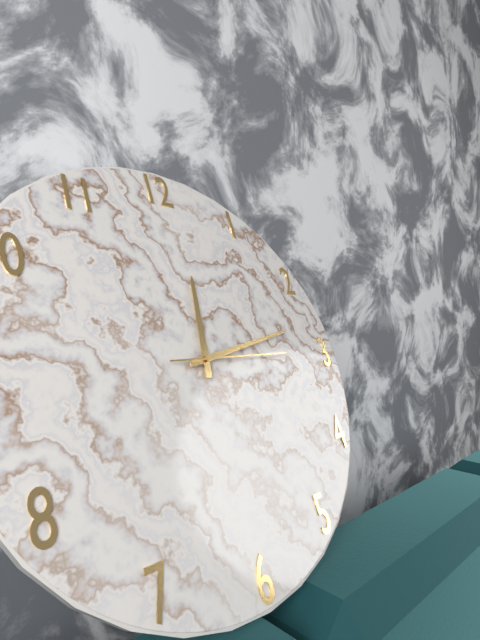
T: 12 h 13 min 15 s
